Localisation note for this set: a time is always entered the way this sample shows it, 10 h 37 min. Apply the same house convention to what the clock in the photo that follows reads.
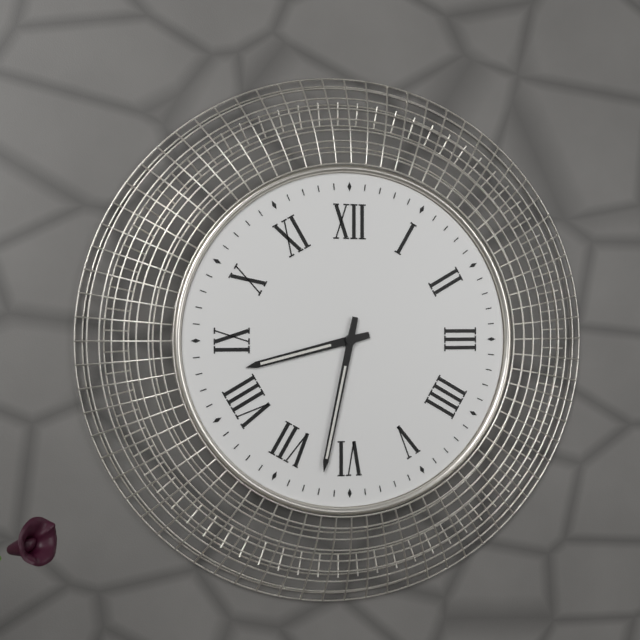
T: 8 h 32 min
